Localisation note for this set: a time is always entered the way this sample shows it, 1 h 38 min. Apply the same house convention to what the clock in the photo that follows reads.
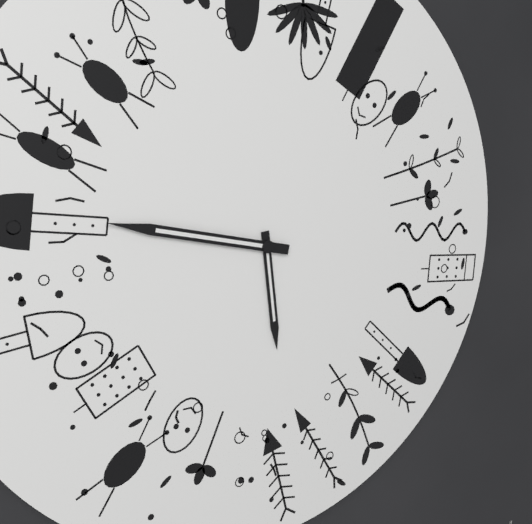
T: 5 h 47 min
